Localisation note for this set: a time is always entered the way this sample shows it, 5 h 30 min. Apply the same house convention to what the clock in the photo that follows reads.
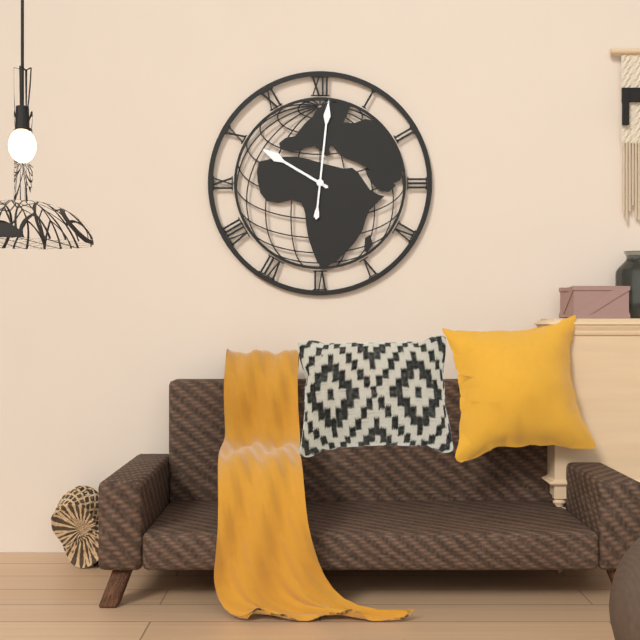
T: 10 h 01 min
